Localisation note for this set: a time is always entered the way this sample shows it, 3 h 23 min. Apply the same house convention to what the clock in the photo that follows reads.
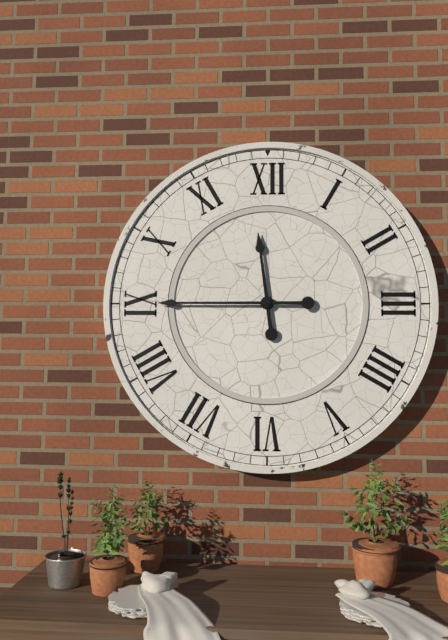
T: 11 h 45 min
